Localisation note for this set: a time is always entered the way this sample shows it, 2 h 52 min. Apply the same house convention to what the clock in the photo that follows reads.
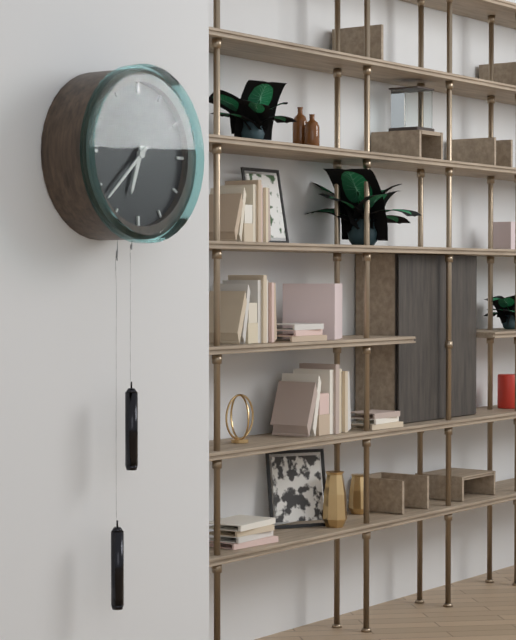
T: 6 h 38 min
